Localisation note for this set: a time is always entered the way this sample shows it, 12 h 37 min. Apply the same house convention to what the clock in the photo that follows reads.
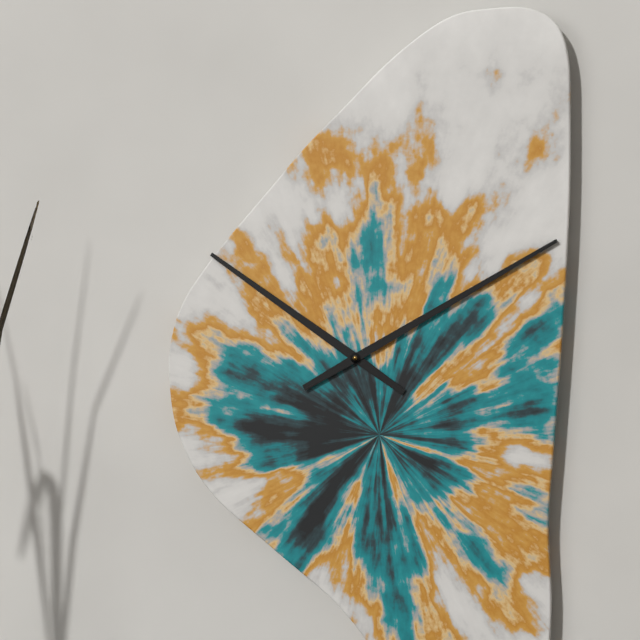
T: 10 h 10 min
